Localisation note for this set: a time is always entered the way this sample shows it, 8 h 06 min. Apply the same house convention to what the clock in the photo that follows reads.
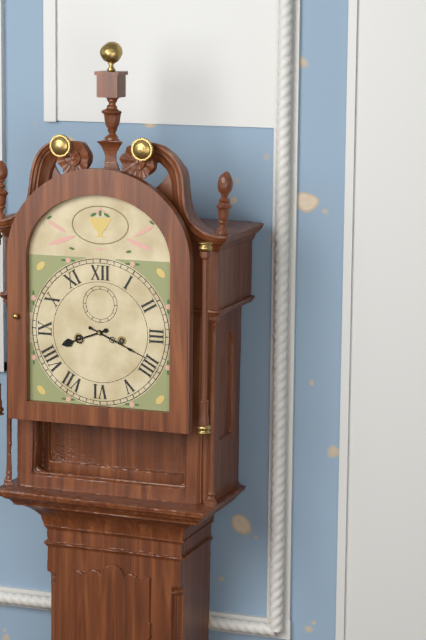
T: 8 h 19 min
